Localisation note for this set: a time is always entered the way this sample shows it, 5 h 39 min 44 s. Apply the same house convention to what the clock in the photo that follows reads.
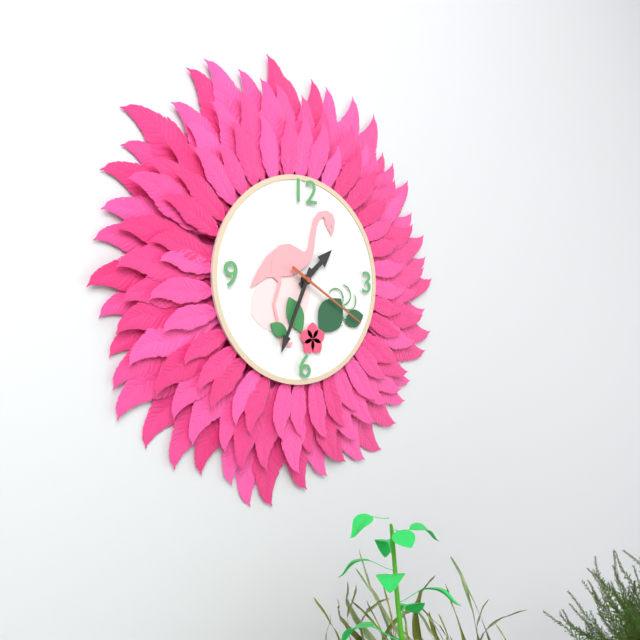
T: 1 h 34 min 20 s
